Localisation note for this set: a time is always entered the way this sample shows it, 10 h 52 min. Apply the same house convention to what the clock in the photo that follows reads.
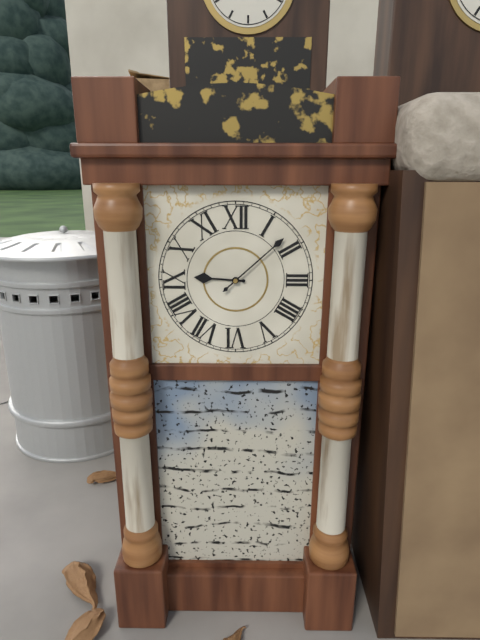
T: 9 h 08 min
